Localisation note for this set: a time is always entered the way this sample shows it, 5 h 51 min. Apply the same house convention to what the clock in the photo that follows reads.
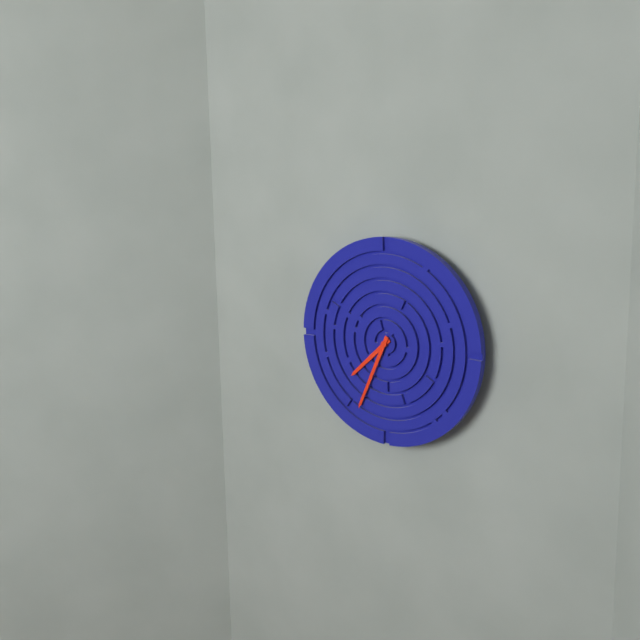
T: 7 h 34 min
